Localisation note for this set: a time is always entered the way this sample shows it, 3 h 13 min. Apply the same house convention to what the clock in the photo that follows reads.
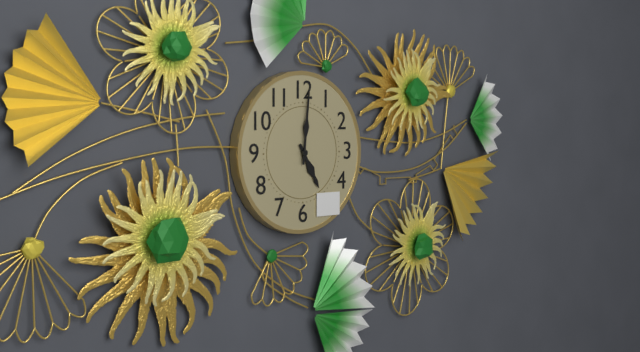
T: 5 h 01 min
